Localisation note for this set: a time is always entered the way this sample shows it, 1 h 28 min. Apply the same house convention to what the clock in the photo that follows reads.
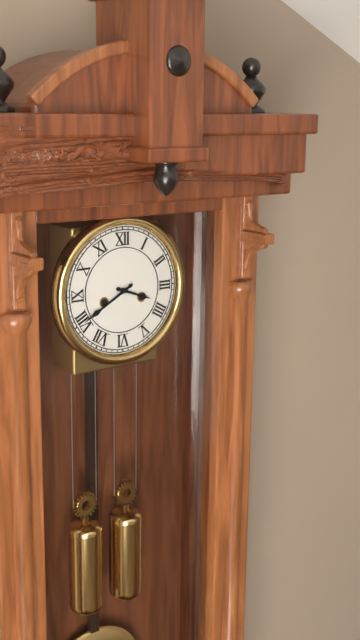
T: 3 h 40 min
